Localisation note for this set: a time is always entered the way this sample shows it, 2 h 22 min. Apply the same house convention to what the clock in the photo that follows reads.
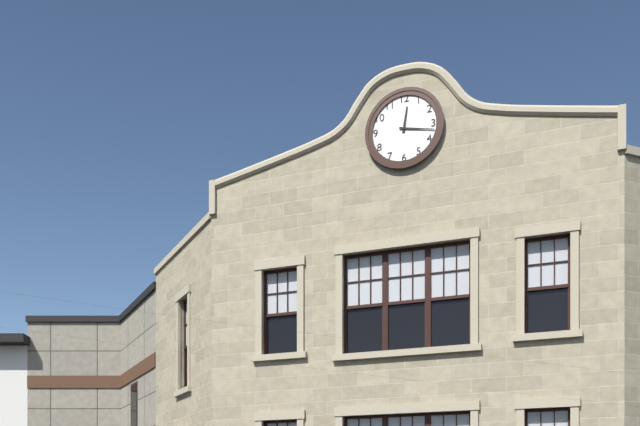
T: 12 h 17 min
